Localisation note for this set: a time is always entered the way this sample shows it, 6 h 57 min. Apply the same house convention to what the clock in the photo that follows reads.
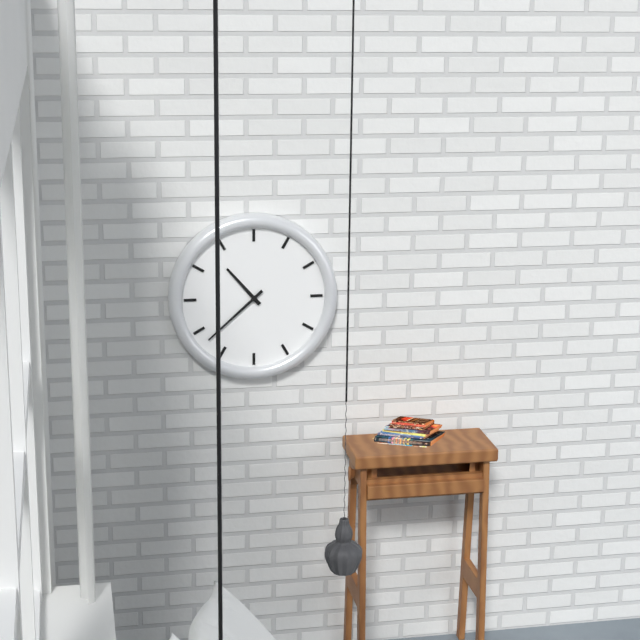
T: 10 h 38 min
